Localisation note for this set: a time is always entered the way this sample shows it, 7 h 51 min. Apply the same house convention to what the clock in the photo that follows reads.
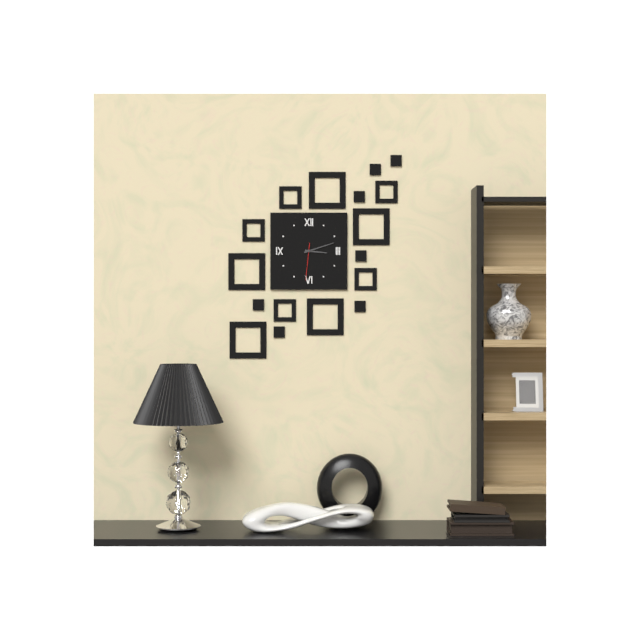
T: 3 h 12 min
